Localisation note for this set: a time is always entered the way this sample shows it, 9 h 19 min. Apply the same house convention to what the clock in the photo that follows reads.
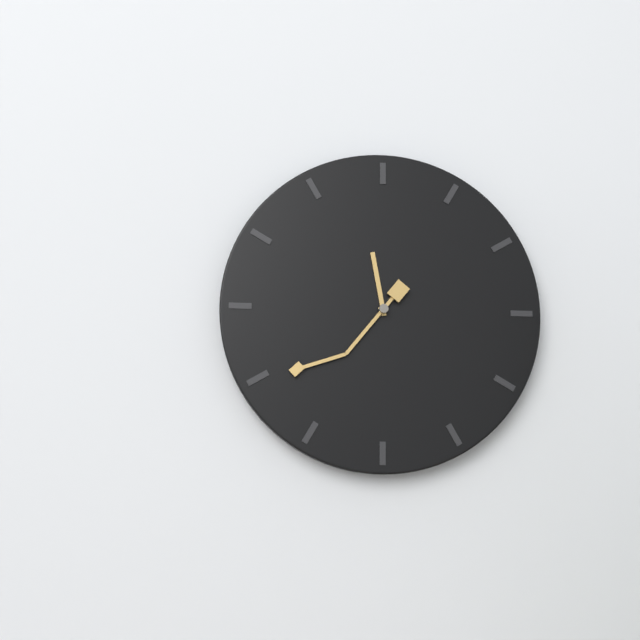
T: 11 h 39 min
